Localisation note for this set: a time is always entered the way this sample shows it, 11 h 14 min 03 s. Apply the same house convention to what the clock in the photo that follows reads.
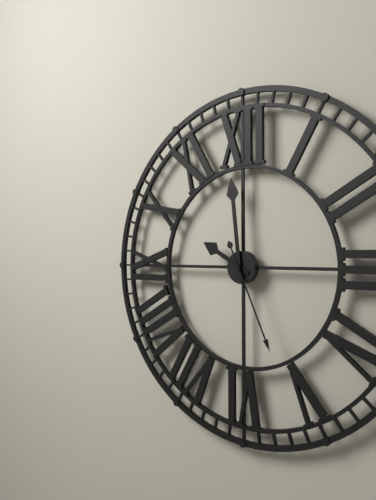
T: 9 h 59 min 26 s
